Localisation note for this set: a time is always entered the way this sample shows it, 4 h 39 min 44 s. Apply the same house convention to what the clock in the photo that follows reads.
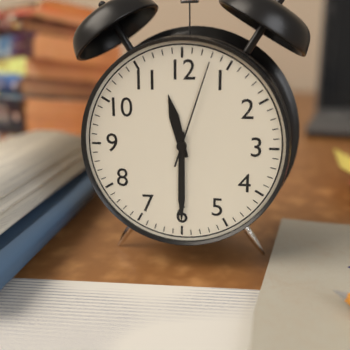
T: 11 h 30 min 03 s
